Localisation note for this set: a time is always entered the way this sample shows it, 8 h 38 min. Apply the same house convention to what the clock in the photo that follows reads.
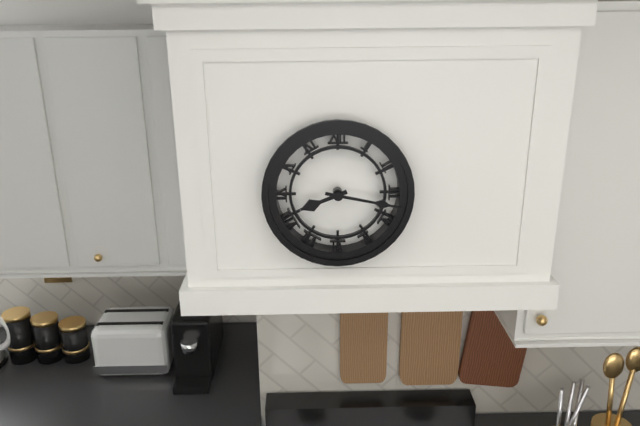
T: 8 h 17 min
